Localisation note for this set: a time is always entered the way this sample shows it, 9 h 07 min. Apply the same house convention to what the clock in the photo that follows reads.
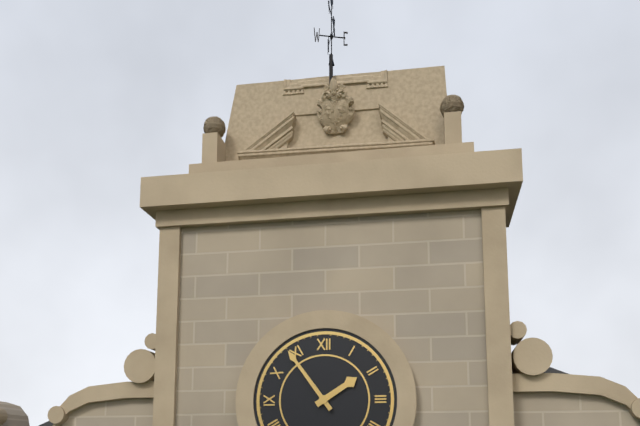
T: 1 h 54 min
